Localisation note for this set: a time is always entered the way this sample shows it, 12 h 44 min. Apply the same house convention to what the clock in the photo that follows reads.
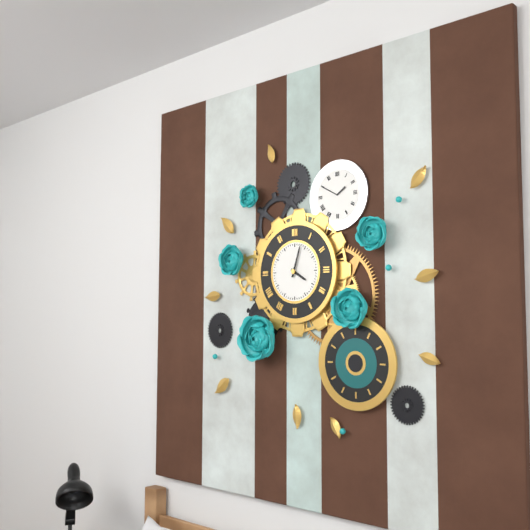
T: 4 h 03 min
